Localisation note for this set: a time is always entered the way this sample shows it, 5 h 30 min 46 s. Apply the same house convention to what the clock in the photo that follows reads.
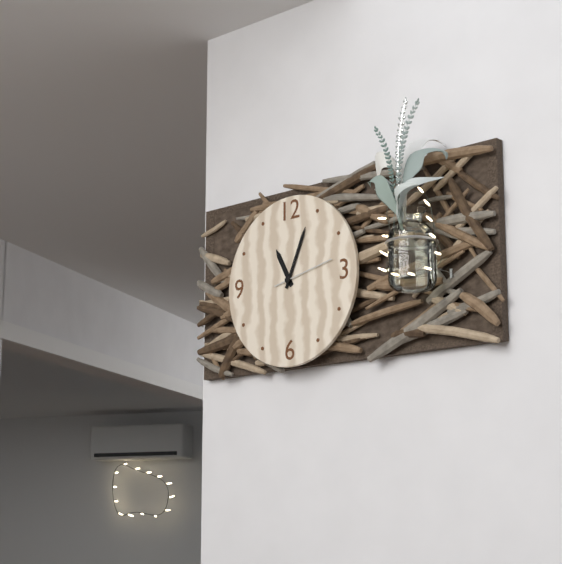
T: 11 h 04 min 13 s
